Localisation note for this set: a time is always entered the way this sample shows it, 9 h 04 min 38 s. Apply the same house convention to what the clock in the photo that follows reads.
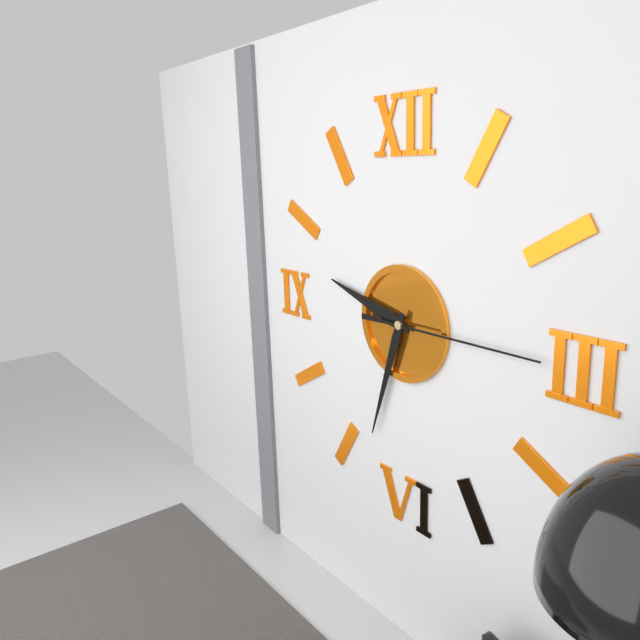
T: 9 h 33 min 15 s
